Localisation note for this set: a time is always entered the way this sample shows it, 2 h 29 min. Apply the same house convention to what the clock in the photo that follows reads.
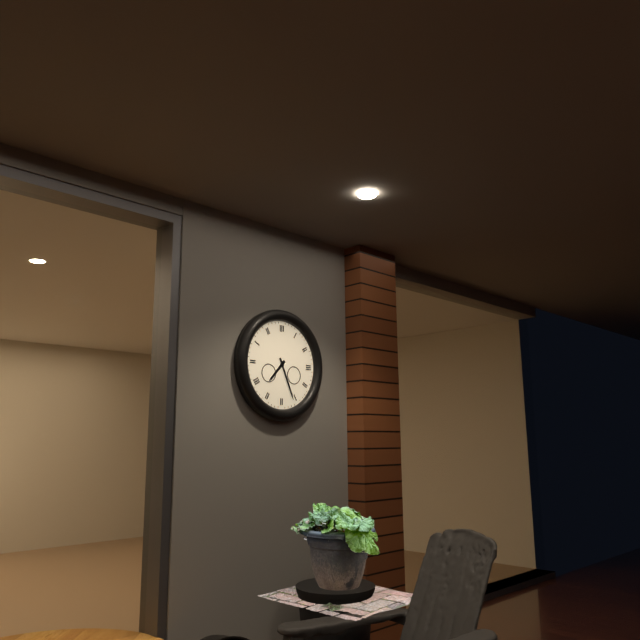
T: 7 h 26 min
